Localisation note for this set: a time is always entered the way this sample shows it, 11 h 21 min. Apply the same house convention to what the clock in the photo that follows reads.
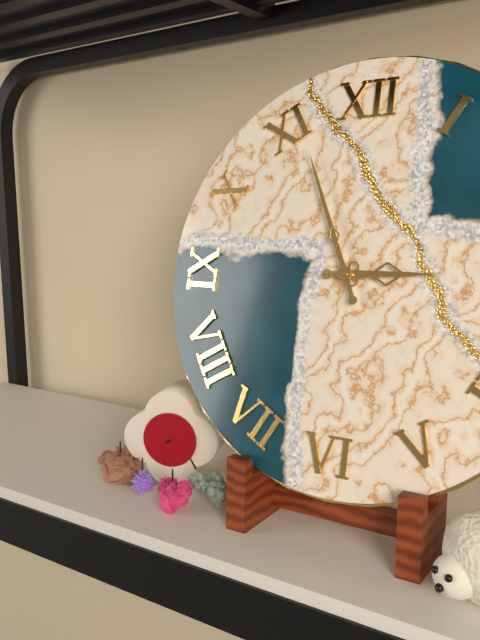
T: 2 h 56 min
